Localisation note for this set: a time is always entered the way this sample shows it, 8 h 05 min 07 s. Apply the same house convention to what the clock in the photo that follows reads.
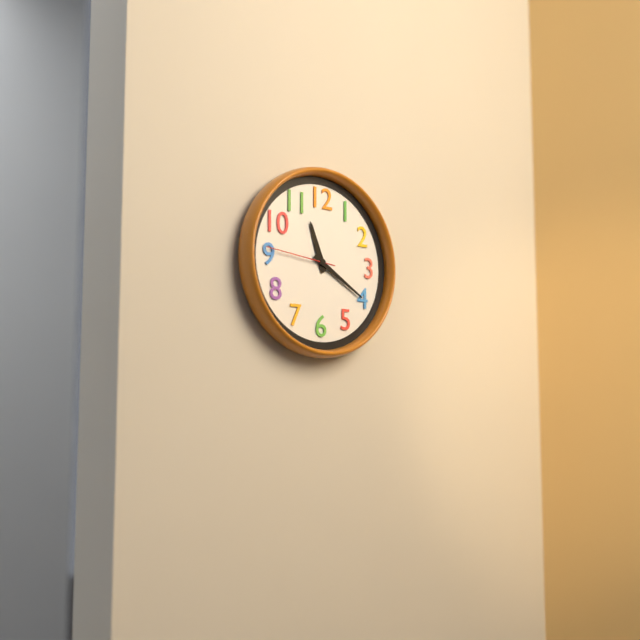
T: 11 h 20 min 46 s
